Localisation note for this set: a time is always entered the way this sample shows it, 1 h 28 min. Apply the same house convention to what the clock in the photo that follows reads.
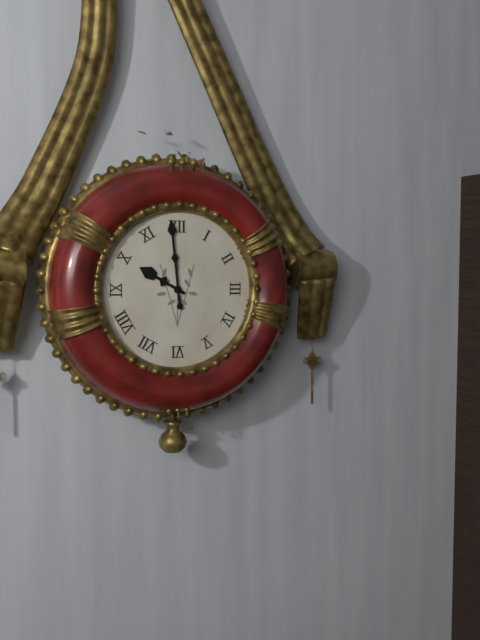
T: 9 h 59 min
